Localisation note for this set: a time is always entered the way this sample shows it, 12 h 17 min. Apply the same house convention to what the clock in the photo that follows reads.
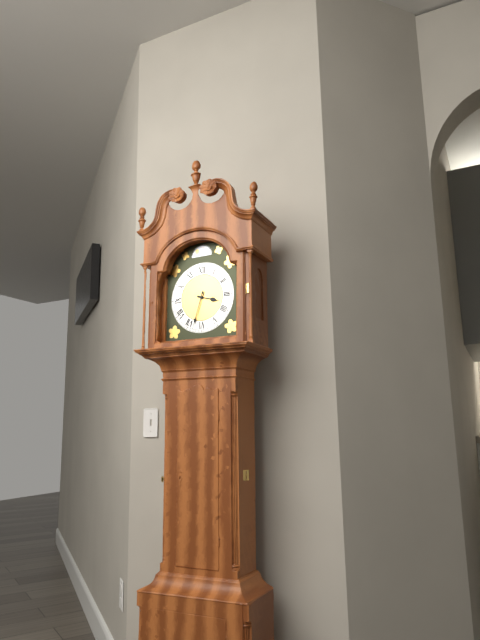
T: 3 h 33 min
